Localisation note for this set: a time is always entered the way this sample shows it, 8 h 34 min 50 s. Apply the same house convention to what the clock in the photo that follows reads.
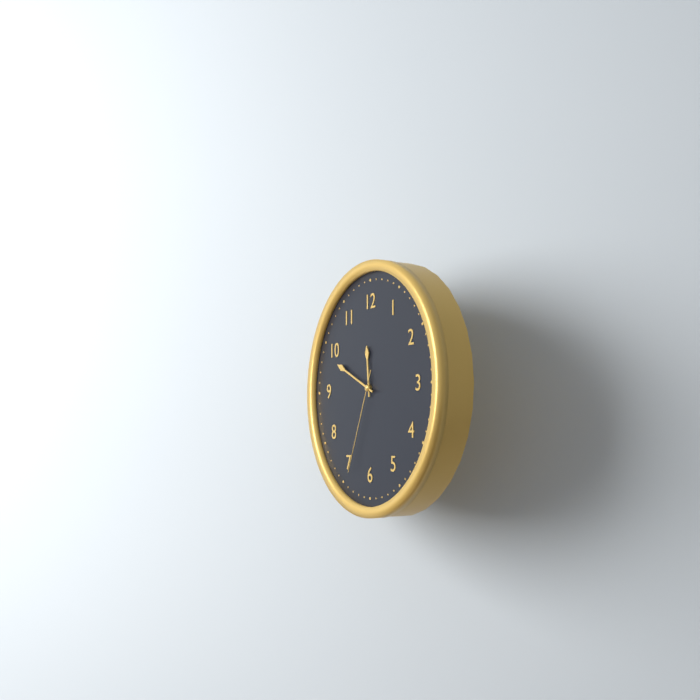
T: 11 h 49 min 34 s
